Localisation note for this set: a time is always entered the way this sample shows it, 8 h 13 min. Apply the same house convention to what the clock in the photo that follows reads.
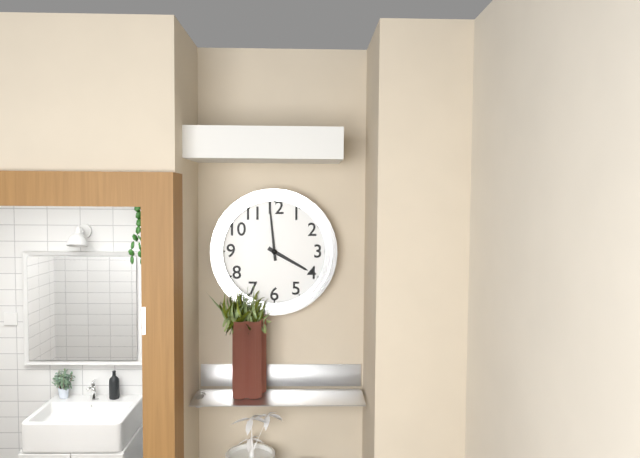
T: 3 h 59 min
